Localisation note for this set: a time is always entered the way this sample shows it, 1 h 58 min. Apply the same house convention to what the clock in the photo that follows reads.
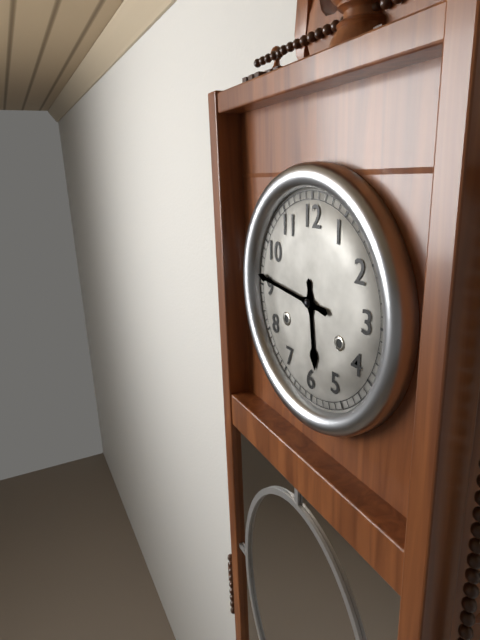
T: 5 h 46 min
